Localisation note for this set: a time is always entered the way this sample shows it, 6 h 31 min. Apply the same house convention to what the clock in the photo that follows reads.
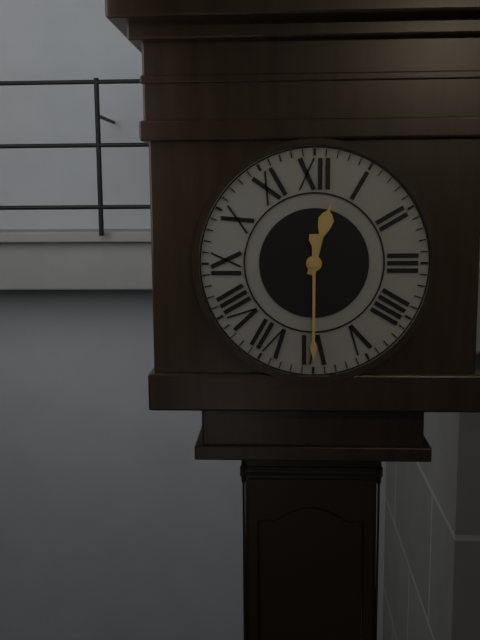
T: 12 h 30 min
